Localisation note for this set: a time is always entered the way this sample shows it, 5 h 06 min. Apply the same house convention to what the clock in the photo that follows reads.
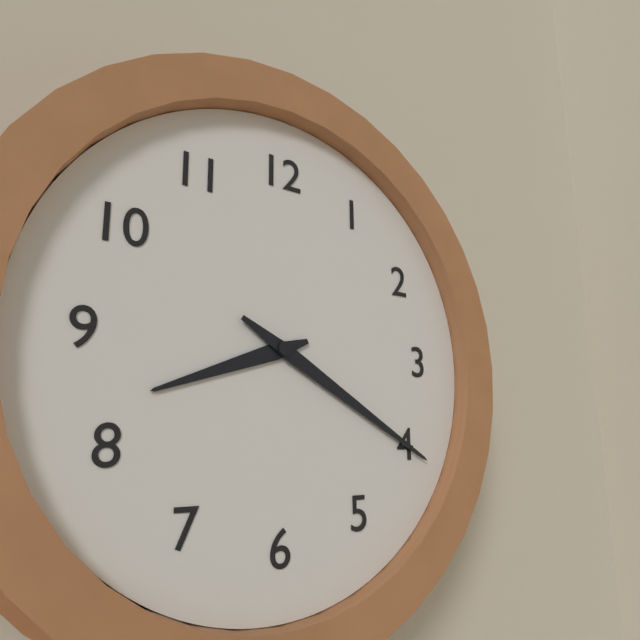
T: 8 h 20 min
